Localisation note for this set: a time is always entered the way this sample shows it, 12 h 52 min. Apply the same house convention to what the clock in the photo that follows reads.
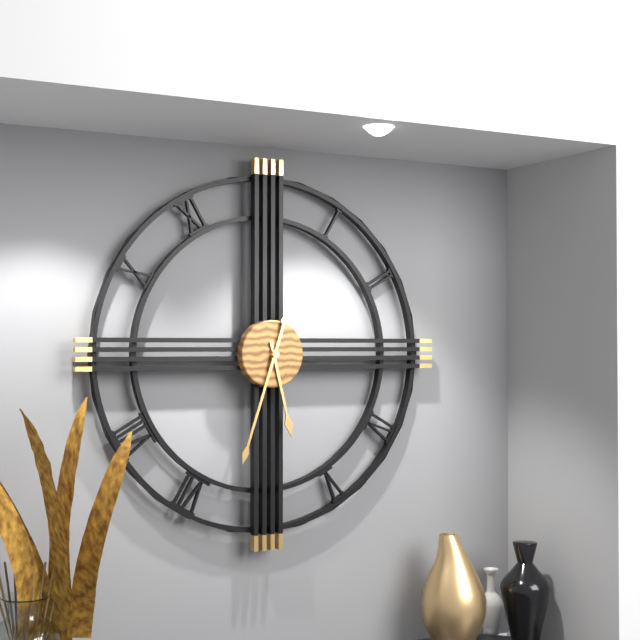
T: 5 h 33 min
